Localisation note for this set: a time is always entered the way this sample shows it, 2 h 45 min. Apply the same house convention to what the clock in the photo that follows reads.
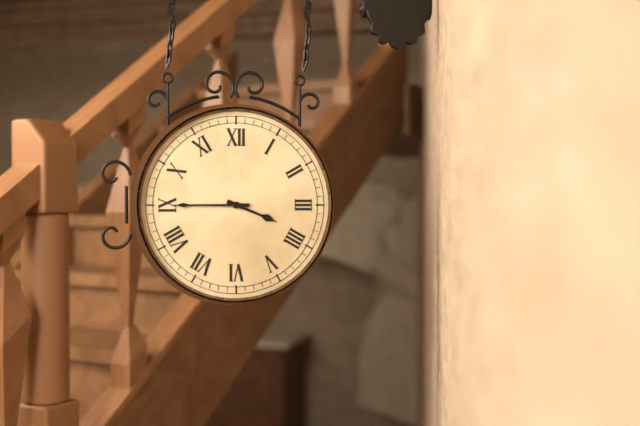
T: 3 h 45 min
